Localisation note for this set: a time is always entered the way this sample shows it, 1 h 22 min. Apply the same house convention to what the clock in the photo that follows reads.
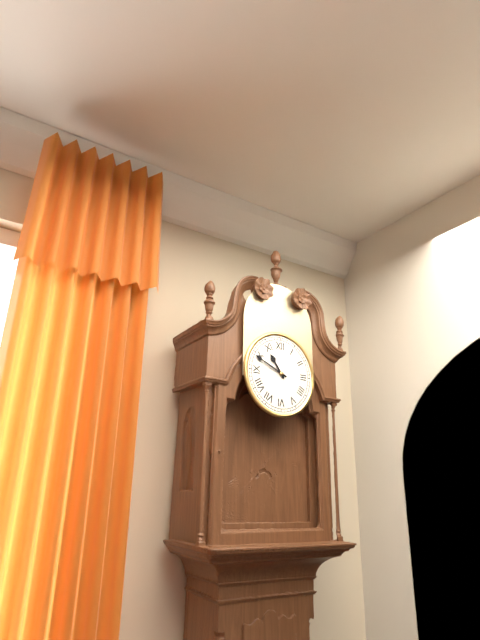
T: 10 h 49 min
